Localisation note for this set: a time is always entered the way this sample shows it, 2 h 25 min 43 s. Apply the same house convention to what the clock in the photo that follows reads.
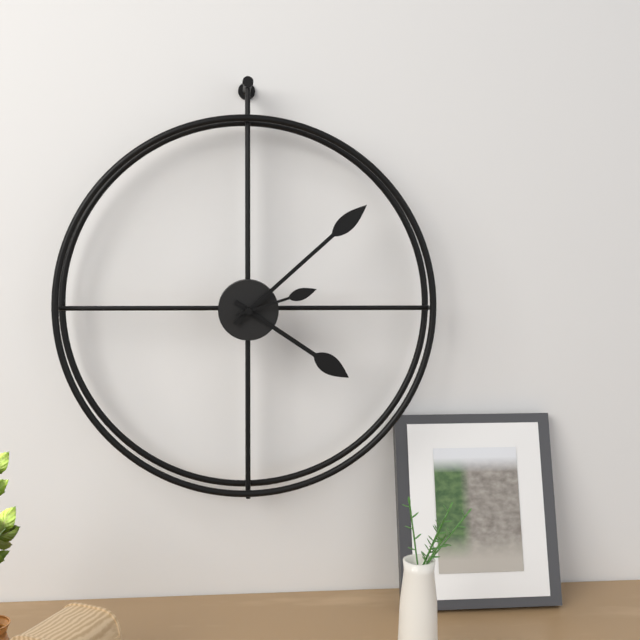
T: 4 h 08 min 12 s
